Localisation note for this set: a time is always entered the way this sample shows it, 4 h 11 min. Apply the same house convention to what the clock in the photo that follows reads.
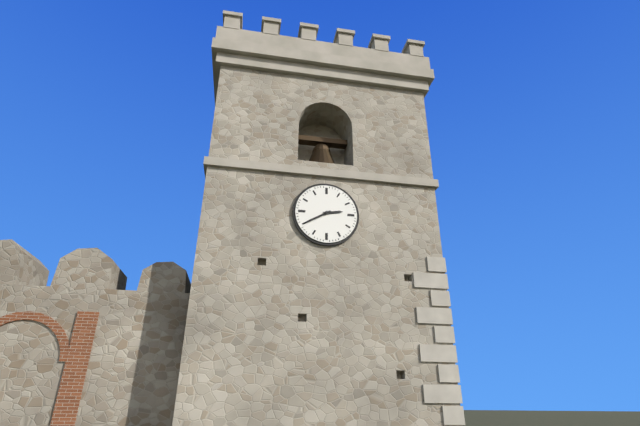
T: 2 h 40 min
